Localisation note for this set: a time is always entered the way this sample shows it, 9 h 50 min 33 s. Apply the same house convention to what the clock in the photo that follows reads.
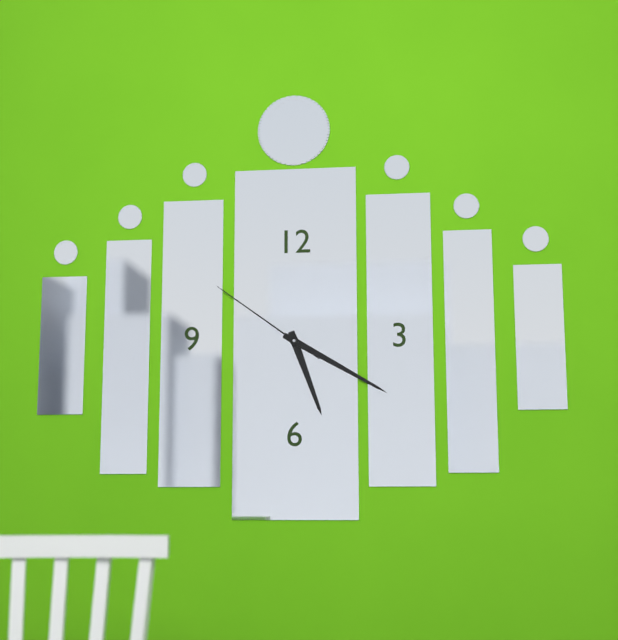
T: 5 h 20 min 51 s
